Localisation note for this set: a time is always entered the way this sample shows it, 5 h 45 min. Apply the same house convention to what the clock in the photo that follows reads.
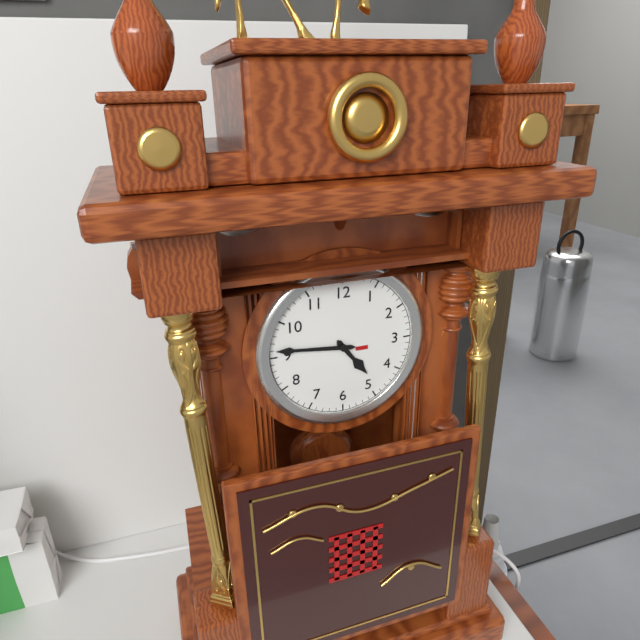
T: 4 h 46 min
